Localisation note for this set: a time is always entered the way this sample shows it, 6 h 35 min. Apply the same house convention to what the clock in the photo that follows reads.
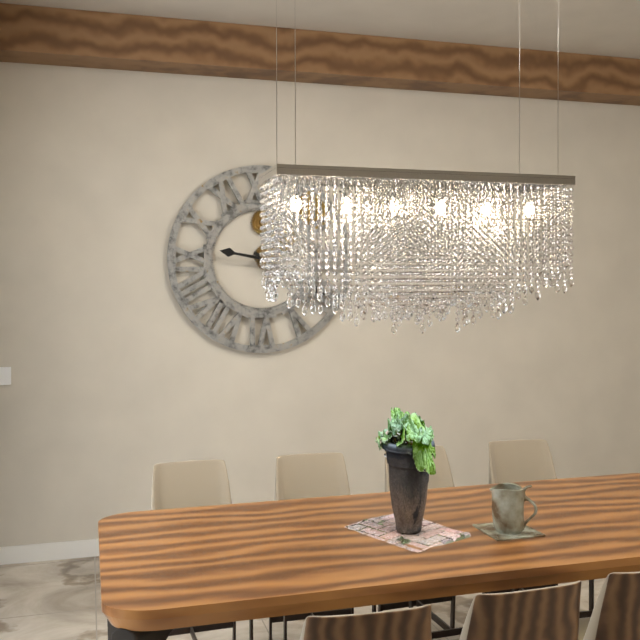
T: 9 h 20 min
